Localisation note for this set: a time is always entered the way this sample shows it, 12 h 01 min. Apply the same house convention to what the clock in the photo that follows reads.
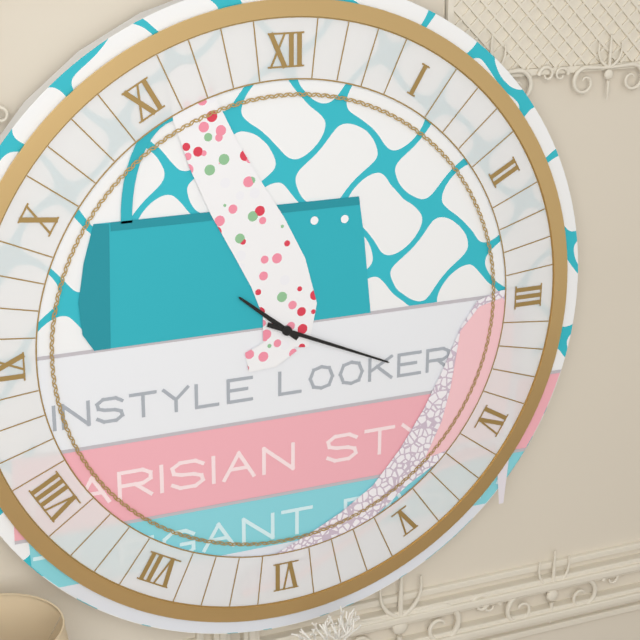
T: 10 h 19 min
